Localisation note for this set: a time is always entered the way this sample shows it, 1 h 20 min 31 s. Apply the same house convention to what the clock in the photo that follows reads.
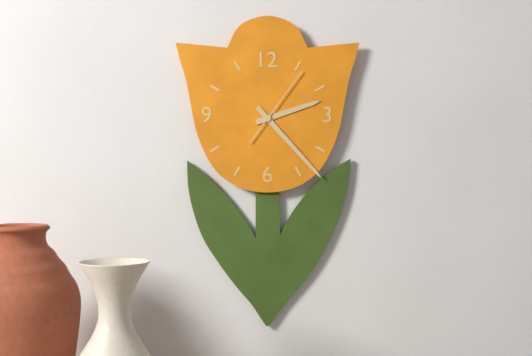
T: 2 h 23 min 06 s
